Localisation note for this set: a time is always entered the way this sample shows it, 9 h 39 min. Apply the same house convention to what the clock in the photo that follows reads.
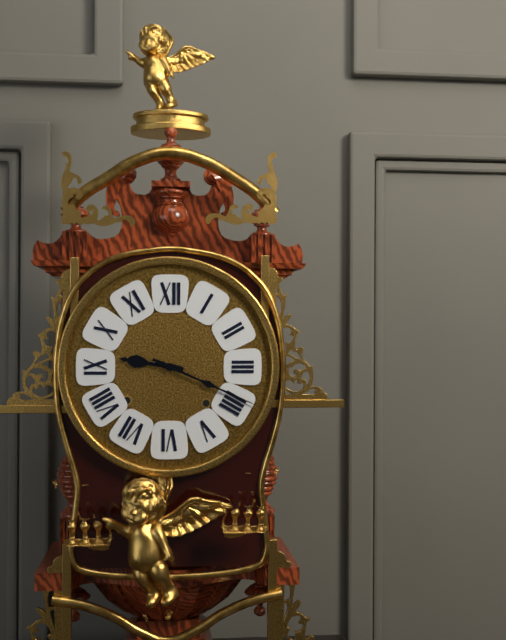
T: 9 h 19 min
